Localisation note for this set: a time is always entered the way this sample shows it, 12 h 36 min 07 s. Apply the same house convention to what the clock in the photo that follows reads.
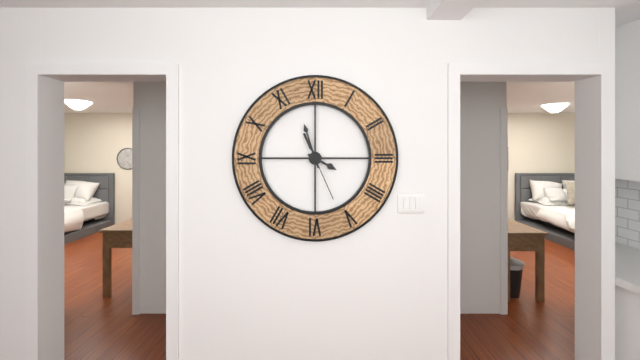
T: 3 h 57 min 26 s
